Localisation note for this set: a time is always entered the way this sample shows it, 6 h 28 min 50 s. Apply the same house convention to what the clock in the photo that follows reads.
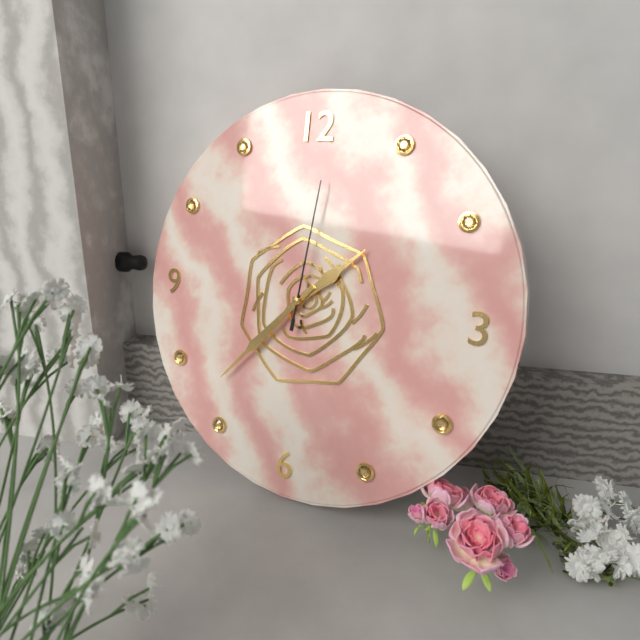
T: 1 h 37 min 01 s
